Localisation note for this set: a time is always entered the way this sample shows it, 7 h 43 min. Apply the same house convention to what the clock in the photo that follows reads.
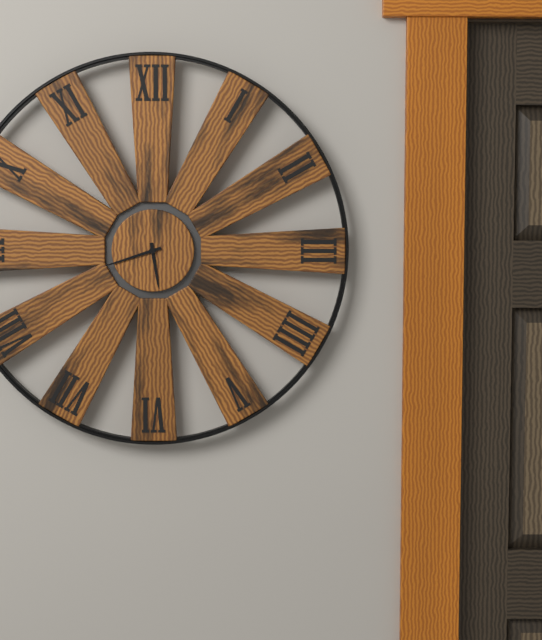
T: 5 h 42 min
